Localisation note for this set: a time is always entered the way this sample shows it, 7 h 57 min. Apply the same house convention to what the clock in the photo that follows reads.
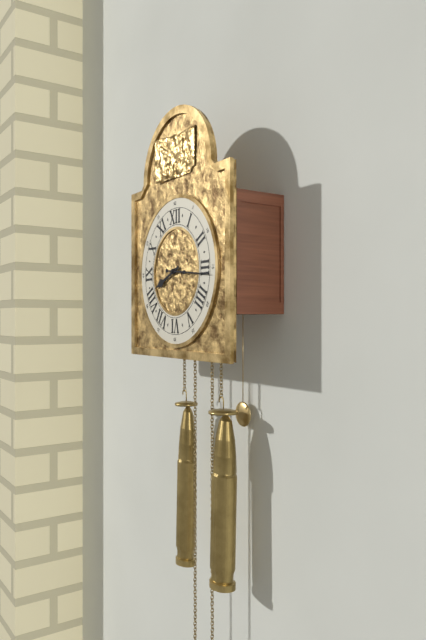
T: 8 h 16 min
